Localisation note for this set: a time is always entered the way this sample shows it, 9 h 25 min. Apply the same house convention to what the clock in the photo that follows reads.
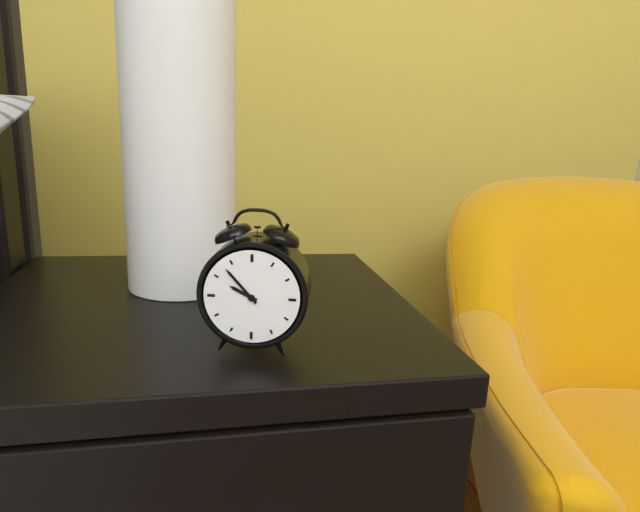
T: 9 h 53 min
